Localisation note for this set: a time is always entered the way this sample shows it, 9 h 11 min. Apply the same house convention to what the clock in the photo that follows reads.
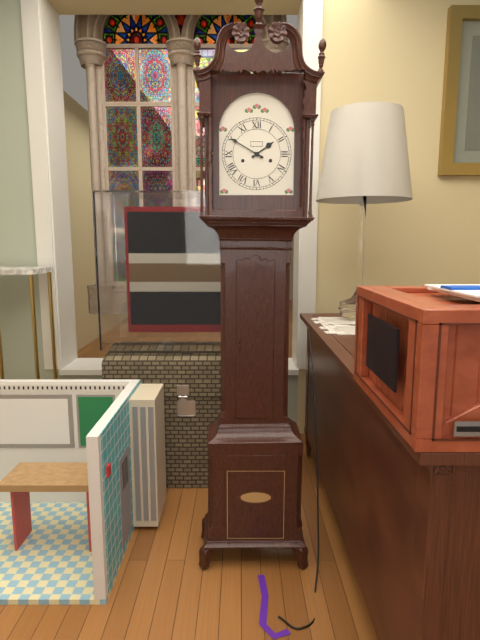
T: 1 h 50 min
